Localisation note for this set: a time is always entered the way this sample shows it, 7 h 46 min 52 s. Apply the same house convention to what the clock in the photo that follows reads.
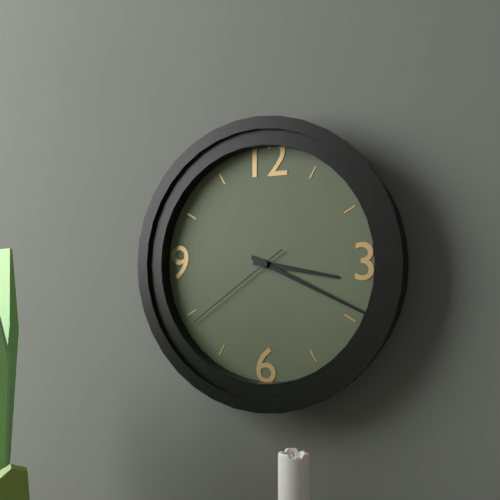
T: 3 h 19 min 39 s
